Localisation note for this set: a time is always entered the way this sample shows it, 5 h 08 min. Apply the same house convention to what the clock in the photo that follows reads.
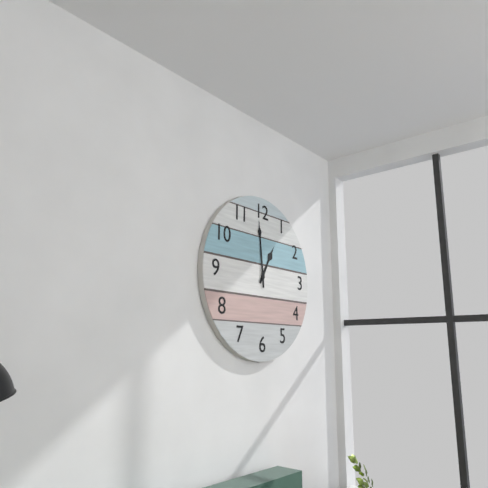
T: 12 h 59 min
